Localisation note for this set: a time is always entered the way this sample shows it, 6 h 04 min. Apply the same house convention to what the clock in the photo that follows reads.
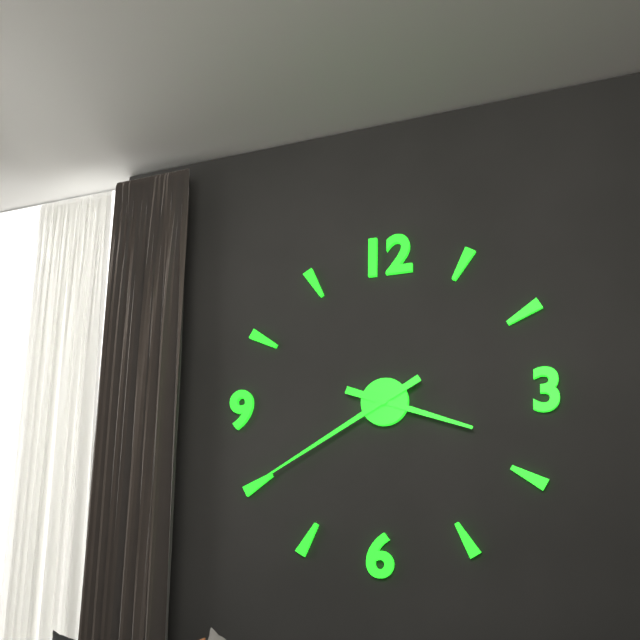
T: 3 h 40 min
